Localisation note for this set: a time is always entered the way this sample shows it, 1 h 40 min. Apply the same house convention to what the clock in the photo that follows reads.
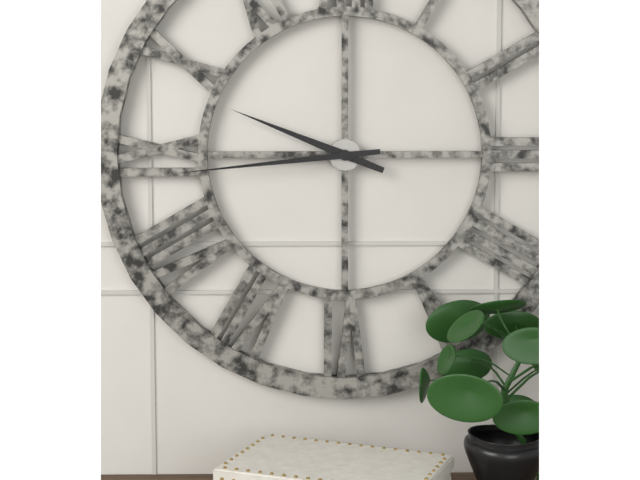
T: 9 h 44 min
